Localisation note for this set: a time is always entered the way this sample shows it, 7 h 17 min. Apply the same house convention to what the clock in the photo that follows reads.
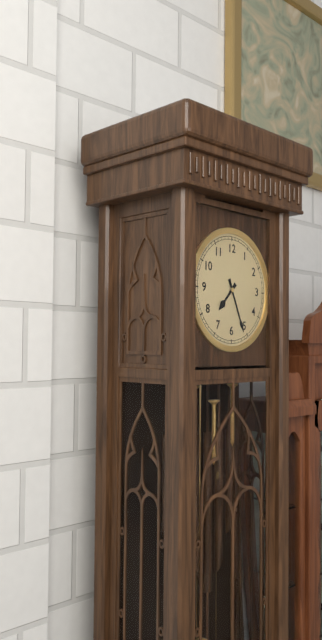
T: 7 h 26 min
